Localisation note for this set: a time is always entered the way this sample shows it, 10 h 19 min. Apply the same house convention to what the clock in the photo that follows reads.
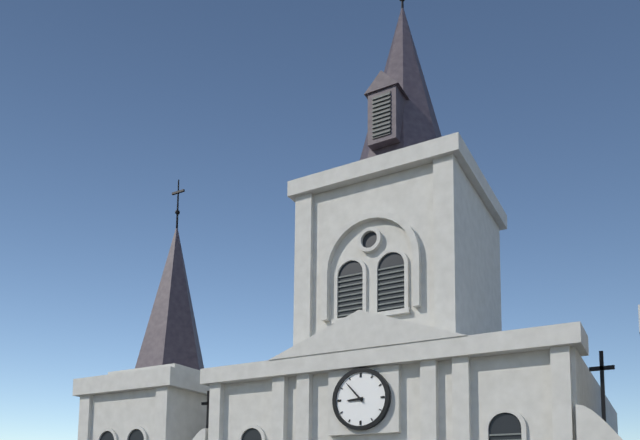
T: 8 h 53 min
